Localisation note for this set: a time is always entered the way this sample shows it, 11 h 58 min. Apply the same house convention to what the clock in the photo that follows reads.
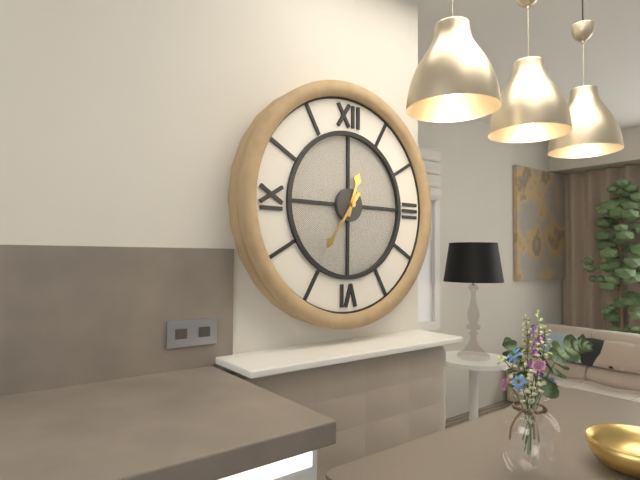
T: 12 h 36 min
